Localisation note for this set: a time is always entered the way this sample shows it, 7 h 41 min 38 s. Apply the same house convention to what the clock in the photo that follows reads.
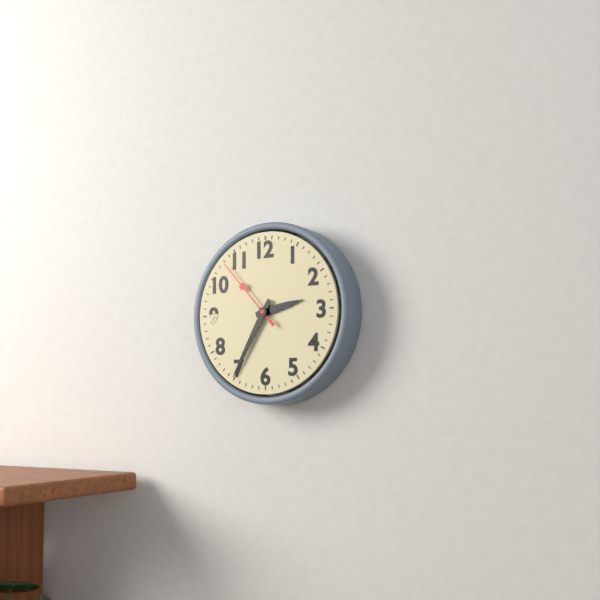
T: 2 h 35 min 53 s
